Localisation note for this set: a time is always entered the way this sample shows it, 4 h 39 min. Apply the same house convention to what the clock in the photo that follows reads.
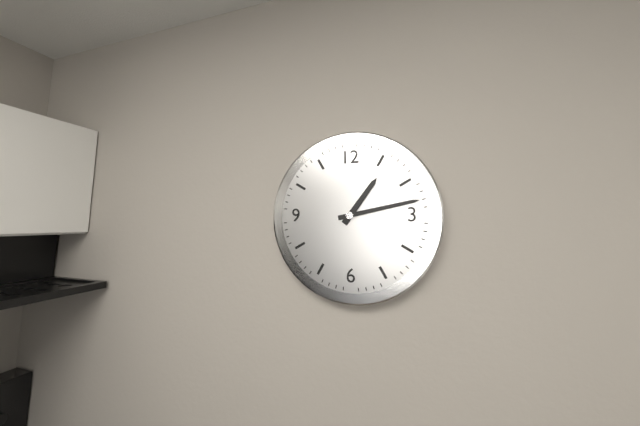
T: 1 h 13 min
